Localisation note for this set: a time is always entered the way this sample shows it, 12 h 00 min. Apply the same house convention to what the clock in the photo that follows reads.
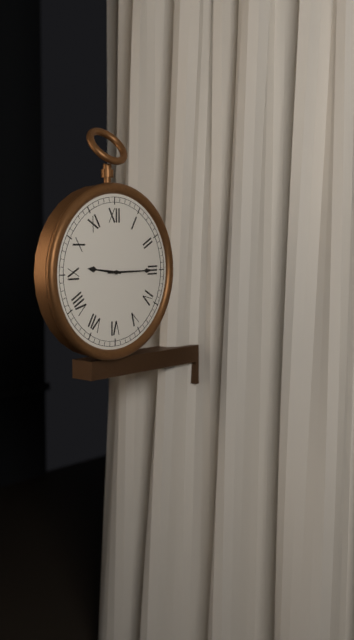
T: 9 h 15 min
